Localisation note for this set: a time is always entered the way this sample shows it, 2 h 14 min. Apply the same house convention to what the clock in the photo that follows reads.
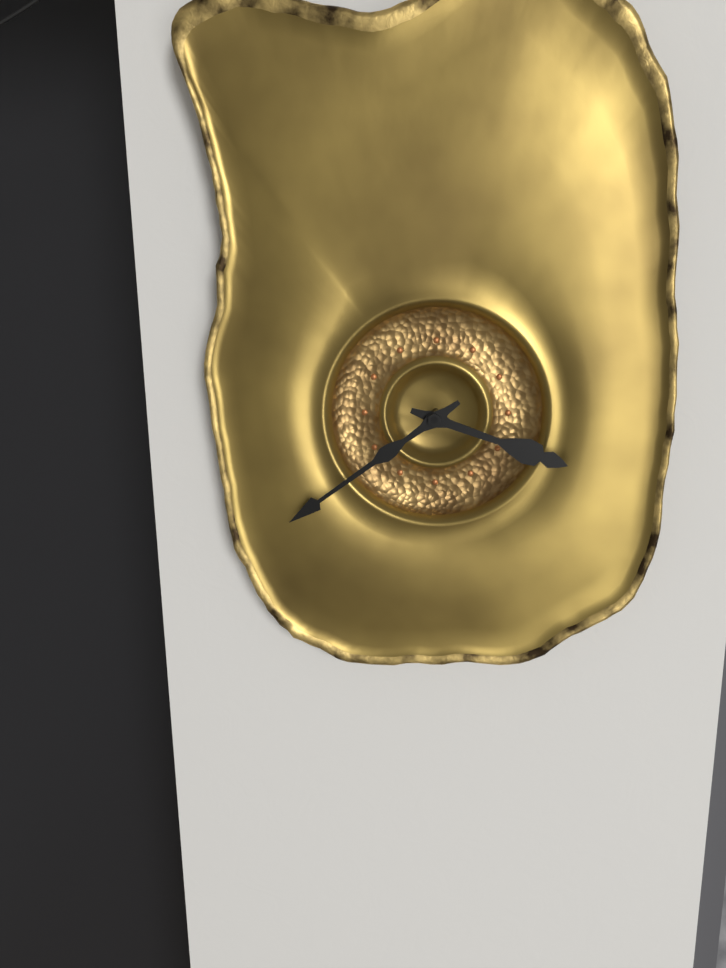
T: 3 h 39 min
